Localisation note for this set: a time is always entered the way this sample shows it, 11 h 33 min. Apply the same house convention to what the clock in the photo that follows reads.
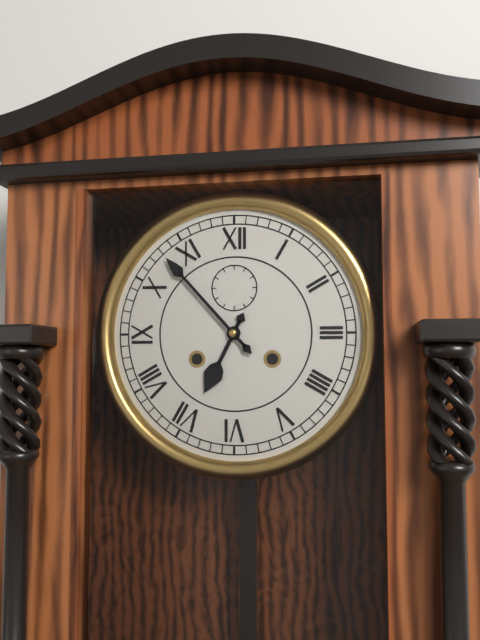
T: 6 h 53 min
